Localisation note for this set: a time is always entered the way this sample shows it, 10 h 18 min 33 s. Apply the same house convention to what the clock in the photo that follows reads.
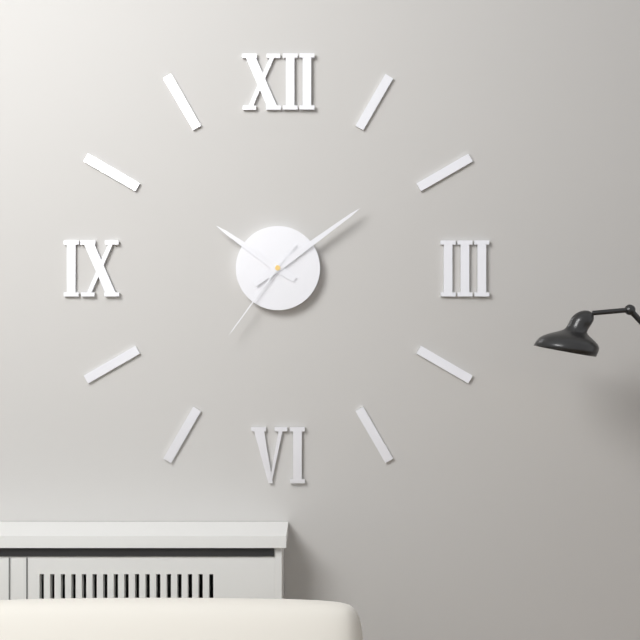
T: 10 h 09 min 36 s
